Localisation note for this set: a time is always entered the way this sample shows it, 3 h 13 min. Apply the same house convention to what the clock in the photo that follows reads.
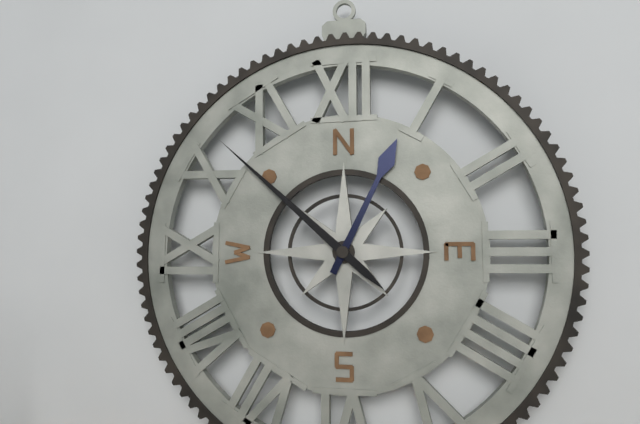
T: 12 h 52 min
